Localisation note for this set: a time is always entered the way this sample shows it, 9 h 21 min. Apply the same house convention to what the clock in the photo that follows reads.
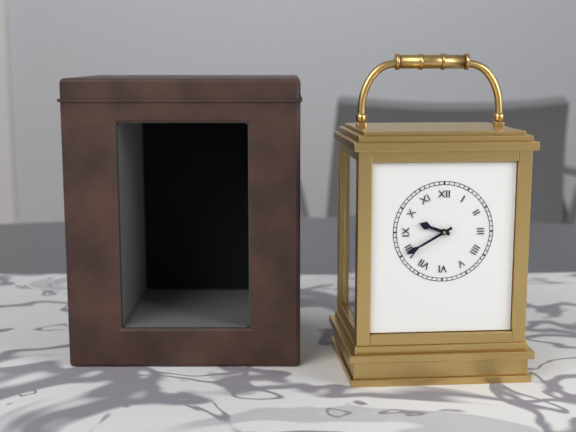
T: 9 h 40 min
